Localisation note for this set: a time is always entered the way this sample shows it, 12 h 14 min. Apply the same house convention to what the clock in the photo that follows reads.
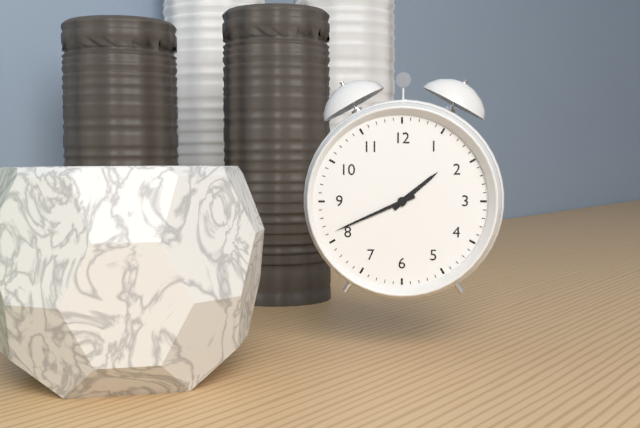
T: 1 h 41 min
